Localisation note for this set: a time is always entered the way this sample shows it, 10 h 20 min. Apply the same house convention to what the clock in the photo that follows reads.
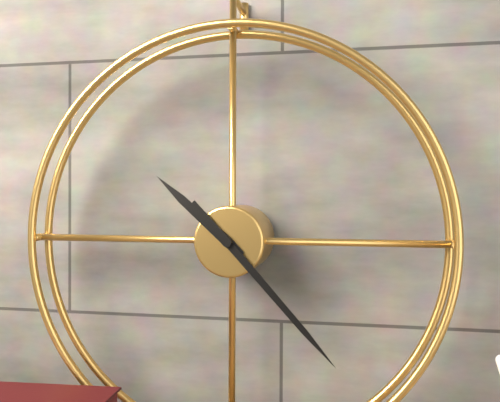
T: 10 h 23 min
